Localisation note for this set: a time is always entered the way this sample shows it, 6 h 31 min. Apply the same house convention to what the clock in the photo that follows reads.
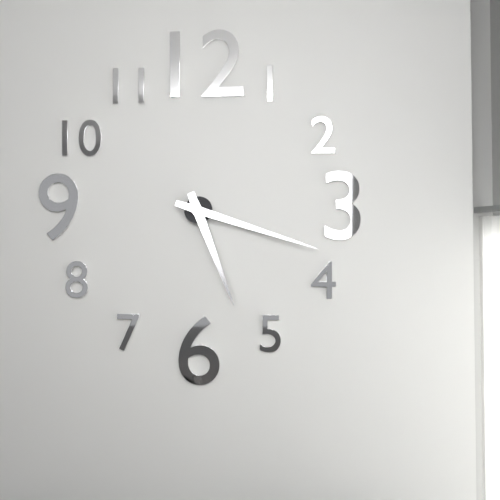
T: 5 h 18 min
